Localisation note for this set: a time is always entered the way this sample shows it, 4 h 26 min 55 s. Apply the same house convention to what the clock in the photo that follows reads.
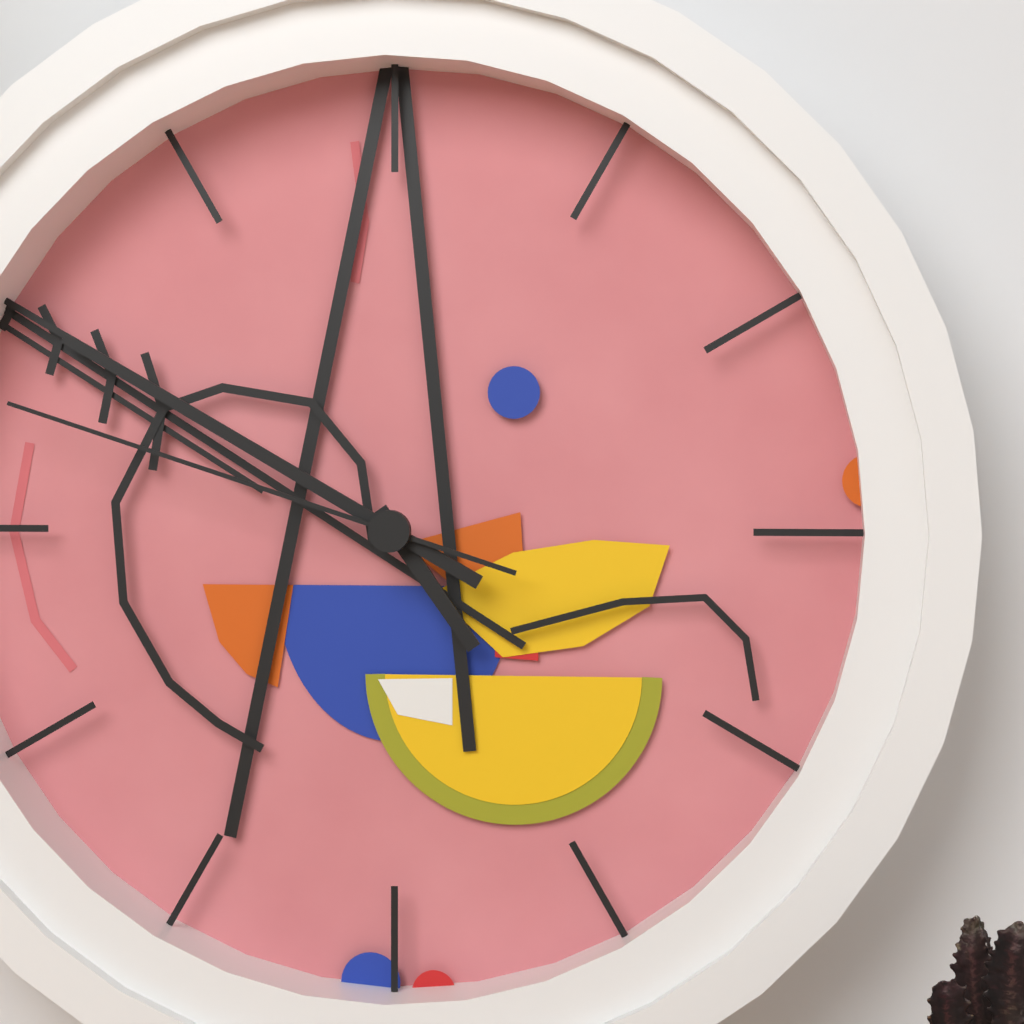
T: 4 h 50 min 48 s
